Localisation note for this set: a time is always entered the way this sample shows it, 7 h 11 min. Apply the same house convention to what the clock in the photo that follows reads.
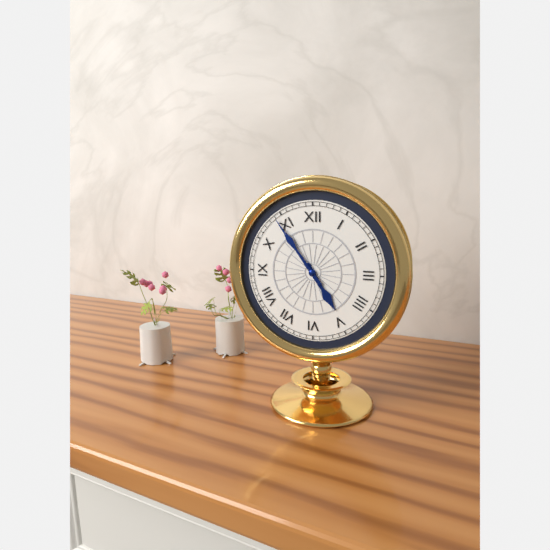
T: 4 h 54 min
